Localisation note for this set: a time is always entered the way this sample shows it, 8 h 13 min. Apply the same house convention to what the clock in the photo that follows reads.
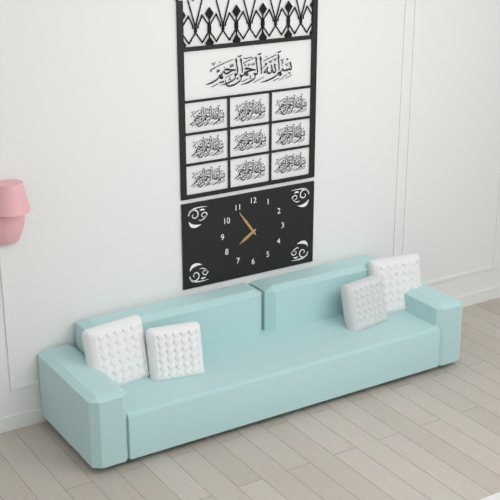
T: 7 h 54 min
